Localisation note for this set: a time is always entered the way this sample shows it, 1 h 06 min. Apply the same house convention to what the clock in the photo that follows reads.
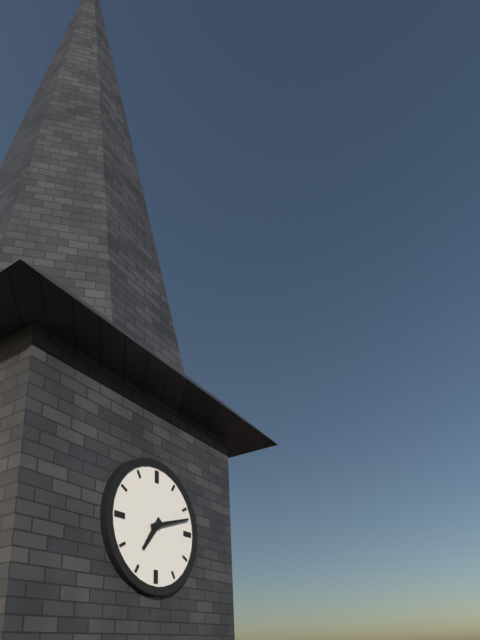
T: 7 h 12 min
